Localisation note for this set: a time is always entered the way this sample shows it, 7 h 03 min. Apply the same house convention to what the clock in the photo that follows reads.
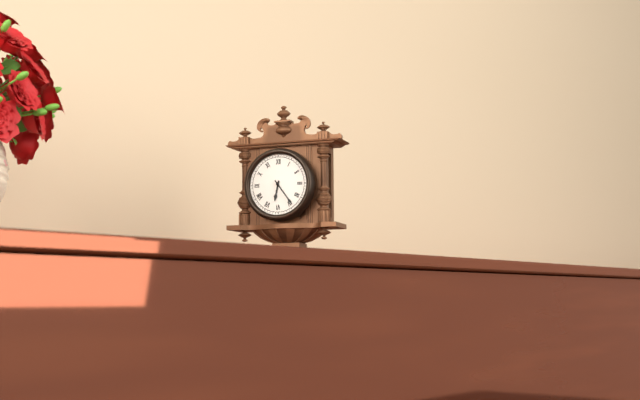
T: 6 h 24 min
